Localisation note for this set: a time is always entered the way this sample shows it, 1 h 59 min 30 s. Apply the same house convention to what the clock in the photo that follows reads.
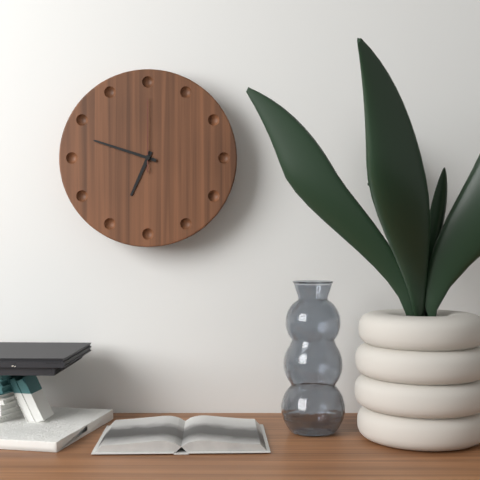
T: 6 h 48 min 00 s
